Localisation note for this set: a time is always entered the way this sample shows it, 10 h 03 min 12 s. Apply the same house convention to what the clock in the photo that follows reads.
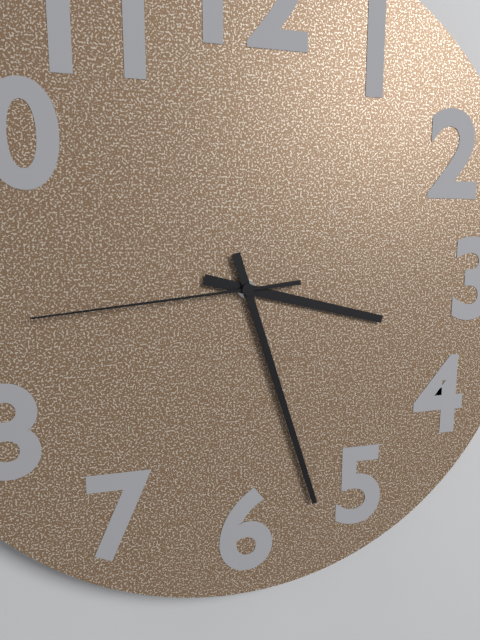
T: 3 h 27 min 44 s
